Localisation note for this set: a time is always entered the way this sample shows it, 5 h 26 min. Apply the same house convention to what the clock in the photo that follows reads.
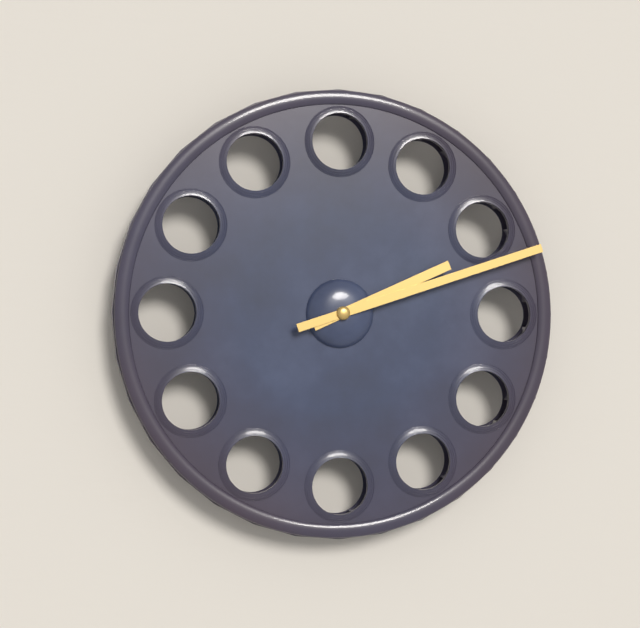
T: 2 h 12 min
